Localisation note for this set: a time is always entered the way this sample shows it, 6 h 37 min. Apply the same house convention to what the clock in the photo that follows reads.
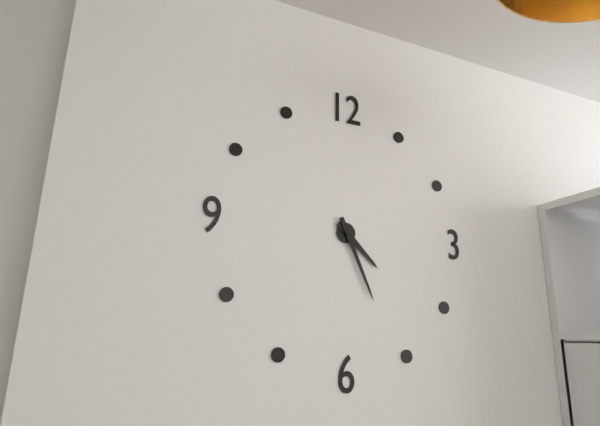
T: 4 h 26 min
